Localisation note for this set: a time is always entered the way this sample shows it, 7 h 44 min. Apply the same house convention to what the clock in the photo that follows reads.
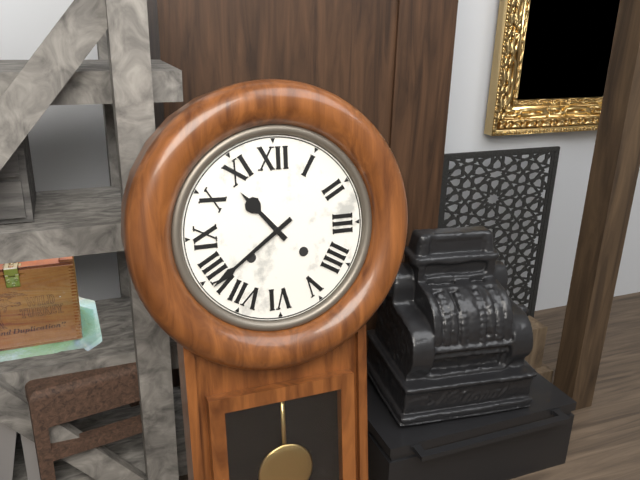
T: 10 h 39 min
